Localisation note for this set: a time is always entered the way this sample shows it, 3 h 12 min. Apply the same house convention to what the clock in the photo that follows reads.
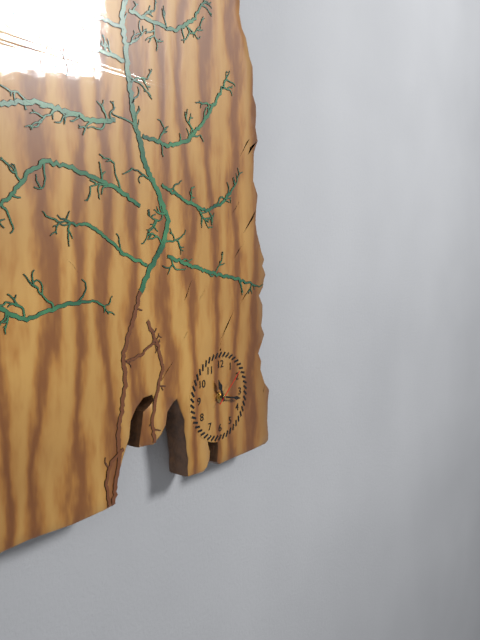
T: 11 h 17 min
